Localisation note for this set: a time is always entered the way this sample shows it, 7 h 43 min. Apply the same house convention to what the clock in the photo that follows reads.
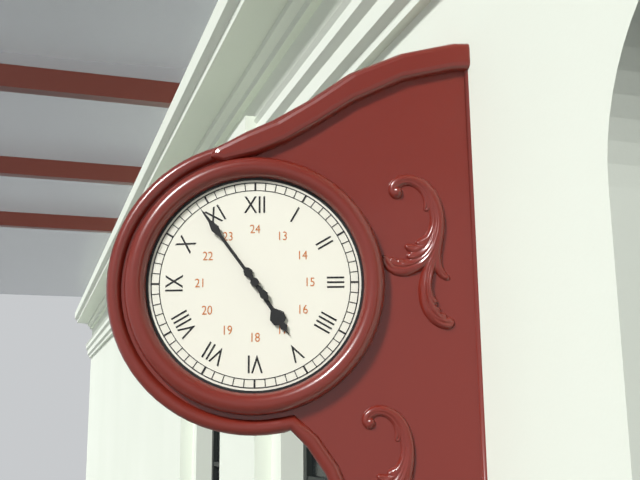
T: 4 h 54 min
